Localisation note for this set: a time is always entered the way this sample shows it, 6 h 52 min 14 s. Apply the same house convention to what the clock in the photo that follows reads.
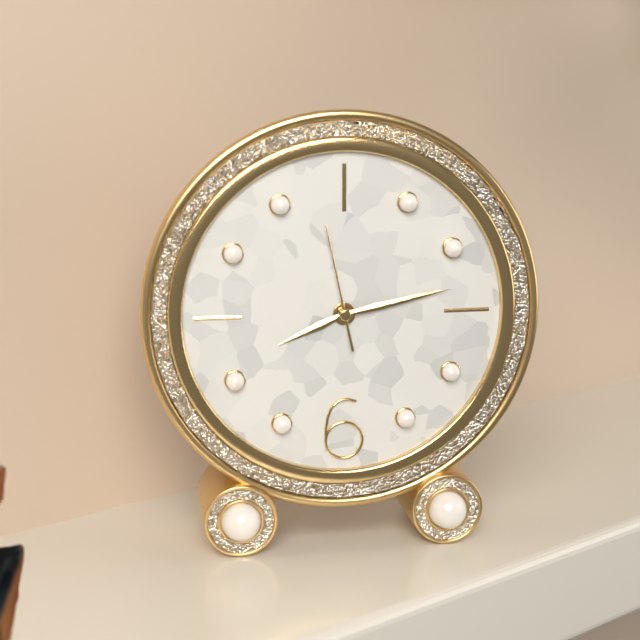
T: 8 h 13 min 58 s
